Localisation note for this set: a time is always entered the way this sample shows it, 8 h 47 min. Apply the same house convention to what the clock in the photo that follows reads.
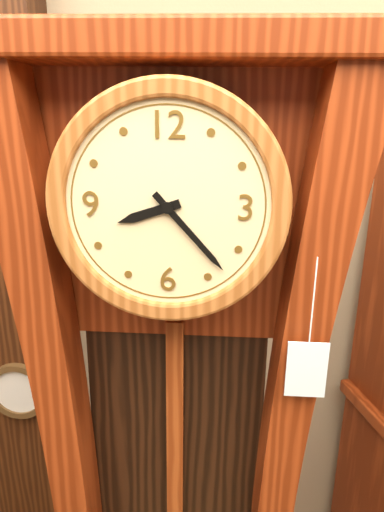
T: 8 h 23 min
